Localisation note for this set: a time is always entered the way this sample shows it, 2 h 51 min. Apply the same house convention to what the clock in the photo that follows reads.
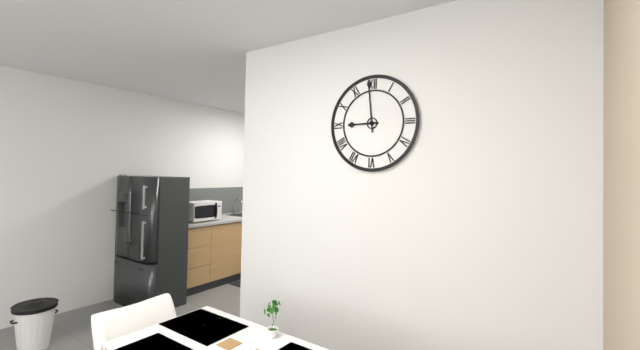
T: 8 h 59 min
